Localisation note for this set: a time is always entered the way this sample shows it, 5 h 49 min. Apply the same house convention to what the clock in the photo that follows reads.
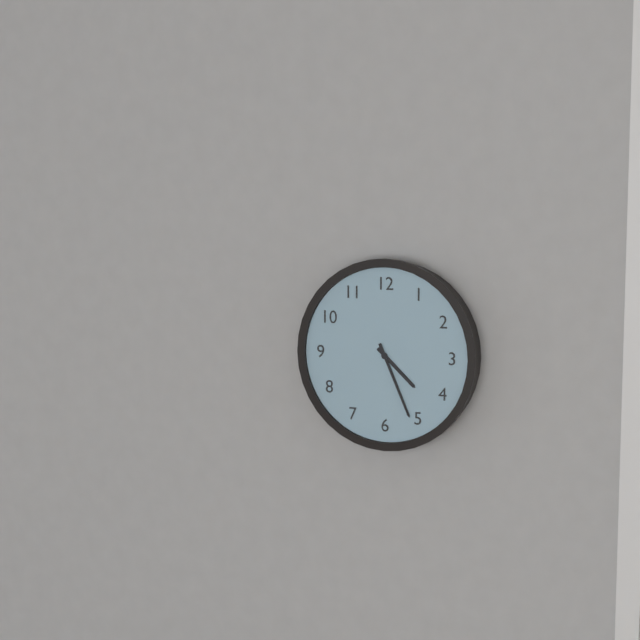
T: 4 h 26 min
